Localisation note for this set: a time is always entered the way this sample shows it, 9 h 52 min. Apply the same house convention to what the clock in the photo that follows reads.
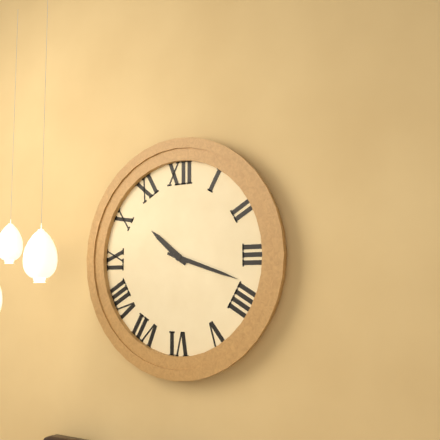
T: 10 h 18 min
